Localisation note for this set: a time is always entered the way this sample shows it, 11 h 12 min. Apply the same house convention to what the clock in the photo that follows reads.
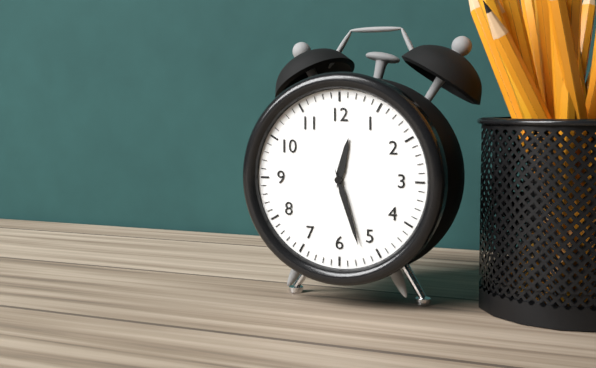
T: 12 h 27 min
